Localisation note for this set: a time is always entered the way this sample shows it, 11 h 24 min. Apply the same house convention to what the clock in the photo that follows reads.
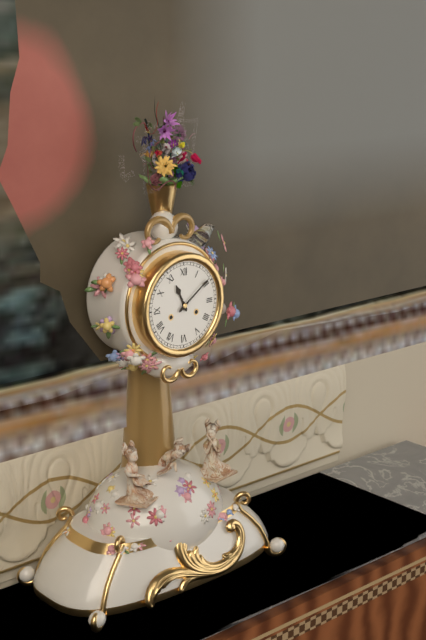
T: 11 h 09 min
